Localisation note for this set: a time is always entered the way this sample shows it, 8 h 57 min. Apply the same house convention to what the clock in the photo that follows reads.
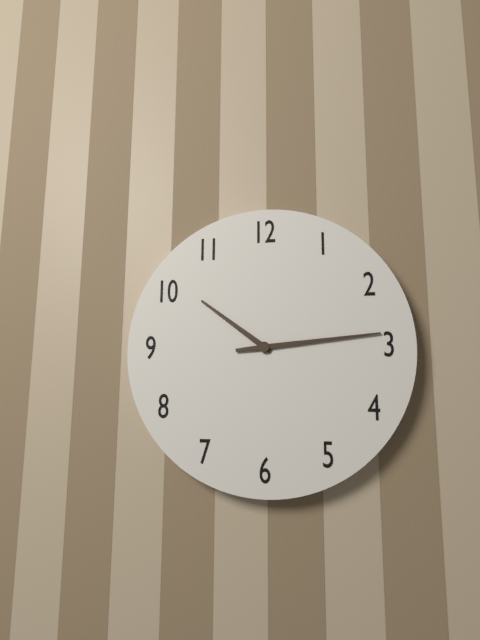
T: 10 h 14 min
